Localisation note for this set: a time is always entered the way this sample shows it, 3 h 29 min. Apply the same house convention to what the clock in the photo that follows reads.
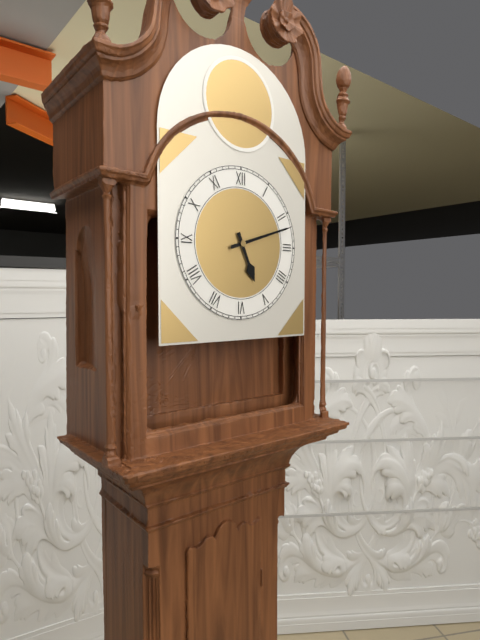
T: 5 h 12 min
